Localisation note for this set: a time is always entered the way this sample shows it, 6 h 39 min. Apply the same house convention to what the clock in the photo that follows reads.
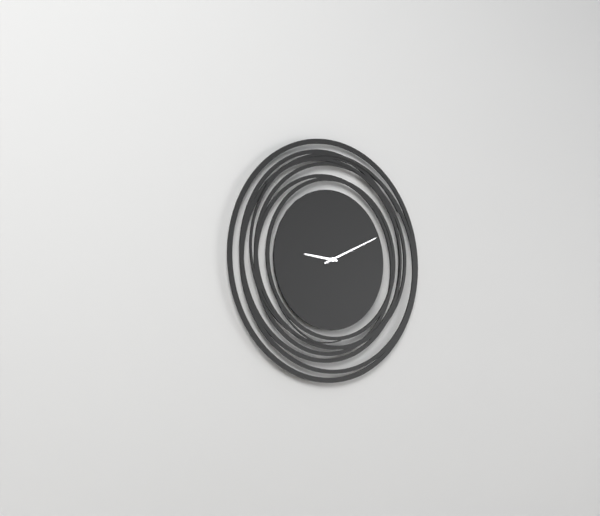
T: 9 h 11 min
